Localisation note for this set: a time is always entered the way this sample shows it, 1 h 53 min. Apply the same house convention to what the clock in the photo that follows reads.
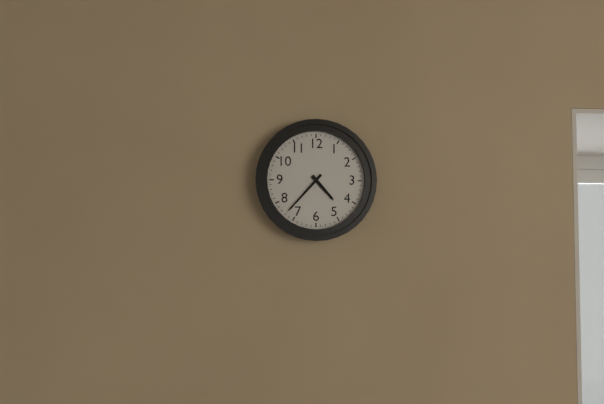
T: 4 h 37 min
